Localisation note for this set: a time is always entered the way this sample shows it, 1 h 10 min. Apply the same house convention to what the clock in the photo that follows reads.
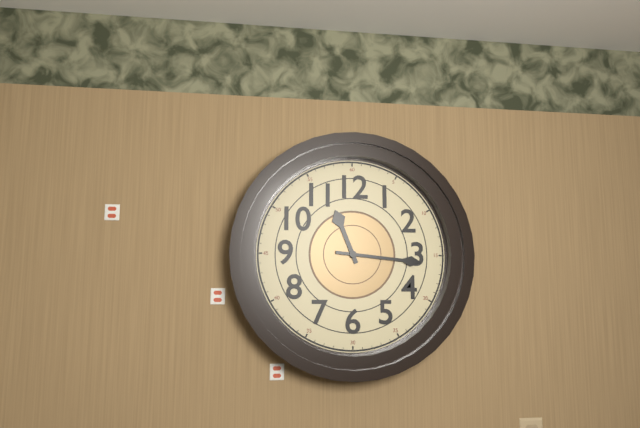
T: 11 h 16 min
